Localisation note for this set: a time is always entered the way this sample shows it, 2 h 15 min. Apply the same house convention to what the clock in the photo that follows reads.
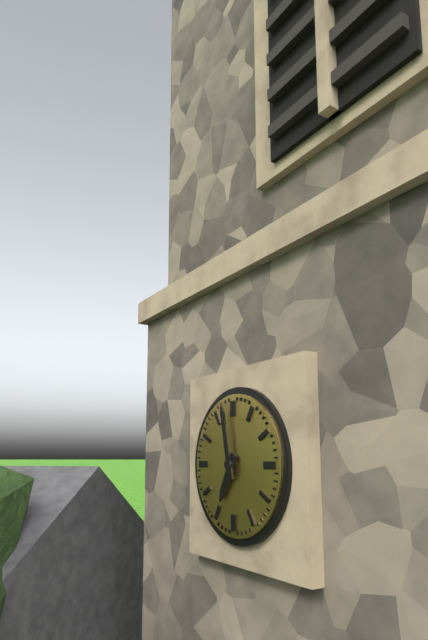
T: 6 h 58 min
